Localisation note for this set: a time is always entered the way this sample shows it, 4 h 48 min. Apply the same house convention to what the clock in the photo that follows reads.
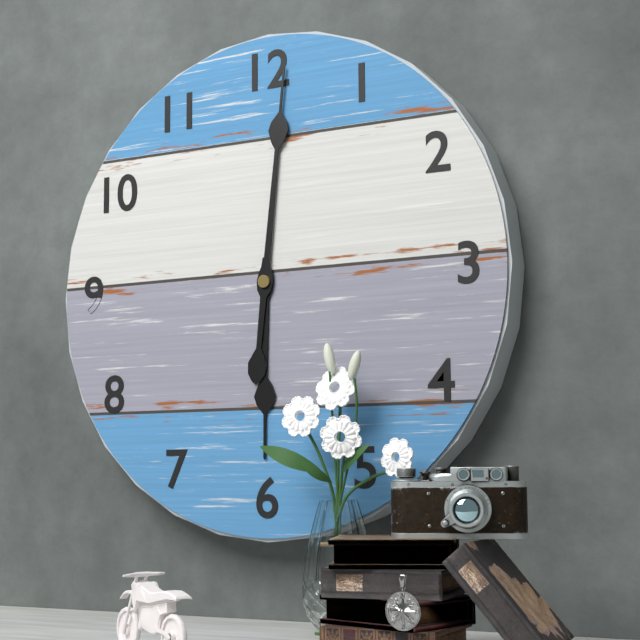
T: 6 h 01 min
